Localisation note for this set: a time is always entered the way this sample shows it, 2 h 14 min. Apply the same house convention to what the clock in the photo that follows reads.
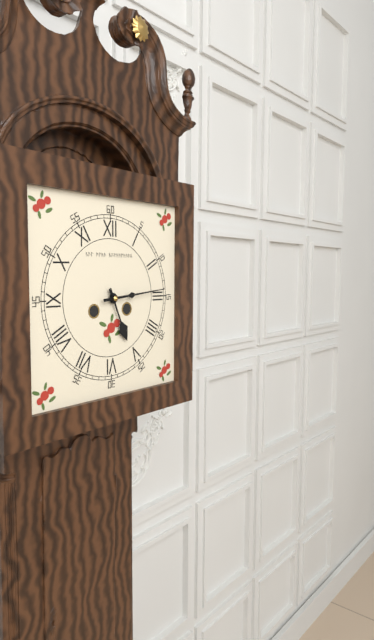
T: 5 h 14 min
